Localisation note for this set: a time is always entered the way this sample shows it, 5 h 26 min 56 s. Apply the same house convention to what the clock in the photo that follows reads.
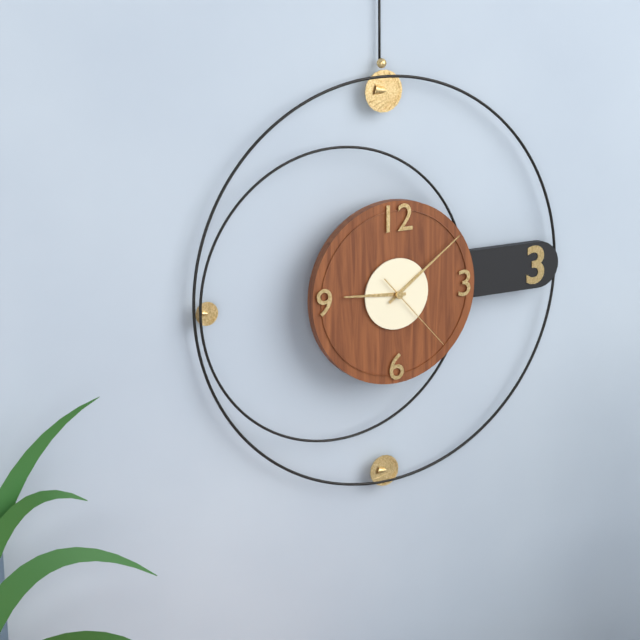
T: 9 h 09 min 23 s
